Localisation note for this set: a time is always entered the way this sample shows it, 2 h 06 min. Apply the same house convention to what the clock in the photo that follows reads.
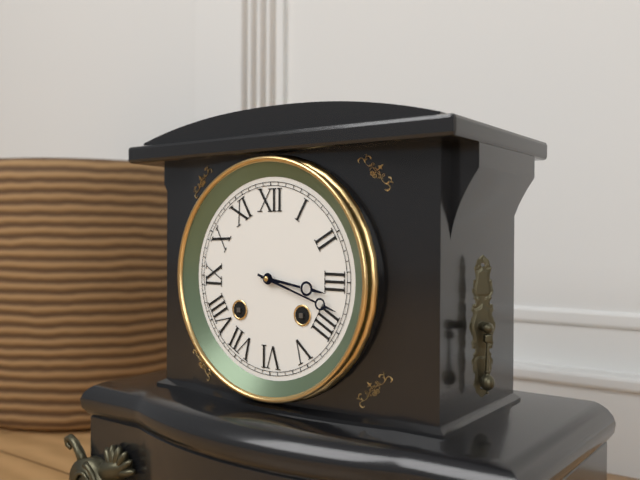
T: 3 h 18 min
